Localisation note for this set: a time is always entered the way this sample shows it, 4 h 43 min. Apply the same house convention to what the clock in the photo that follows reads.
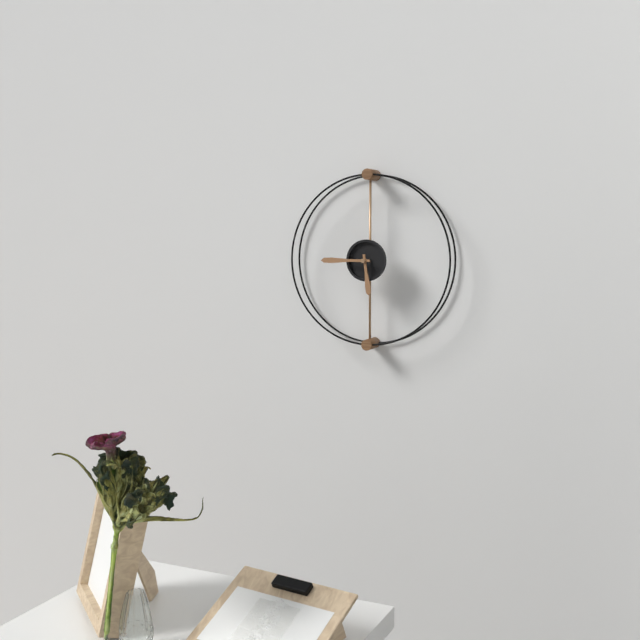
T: 5 h 45 min
